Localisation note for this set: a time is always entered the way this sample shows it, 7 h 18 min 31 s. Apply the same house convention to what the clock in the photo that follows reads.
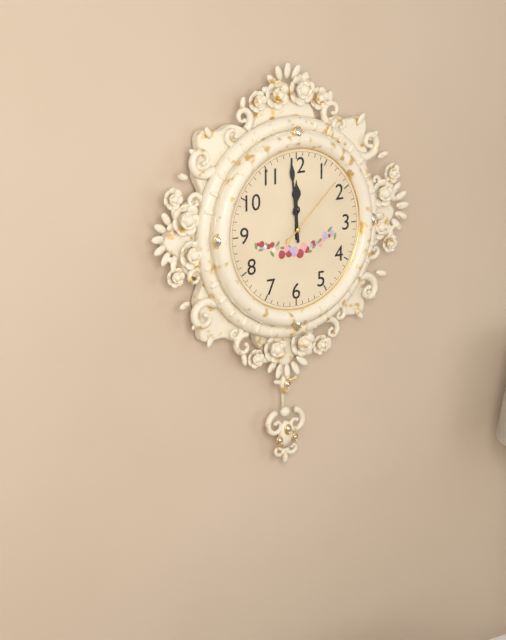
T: 11 h 59 min 08 s
